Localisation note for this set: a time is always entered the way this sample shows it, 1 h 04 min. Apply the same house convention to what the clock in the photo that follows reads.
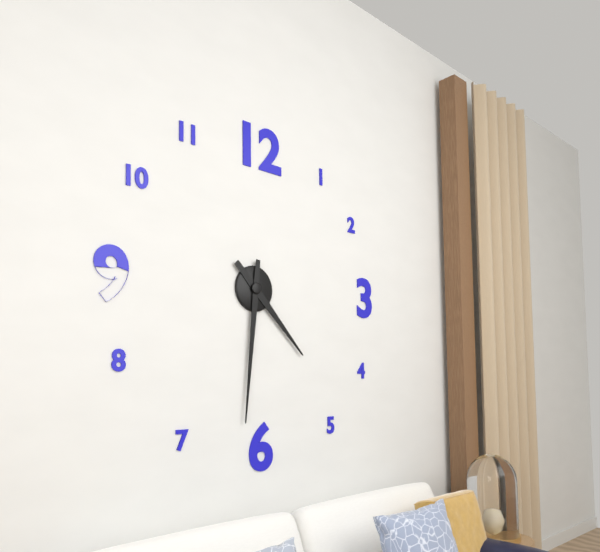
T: 4 h 31 min
